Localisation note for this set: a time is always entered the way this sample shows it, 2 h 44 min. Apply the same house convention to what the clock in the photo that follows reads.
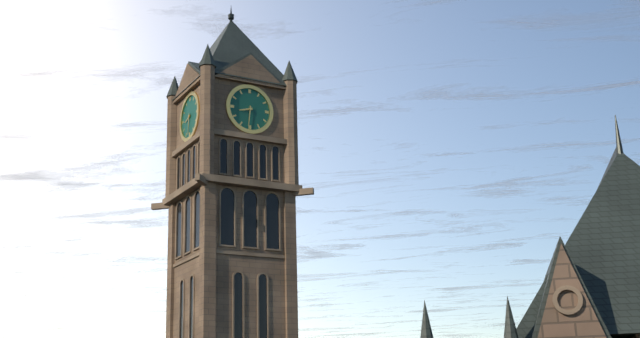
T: 8 h 31 min
